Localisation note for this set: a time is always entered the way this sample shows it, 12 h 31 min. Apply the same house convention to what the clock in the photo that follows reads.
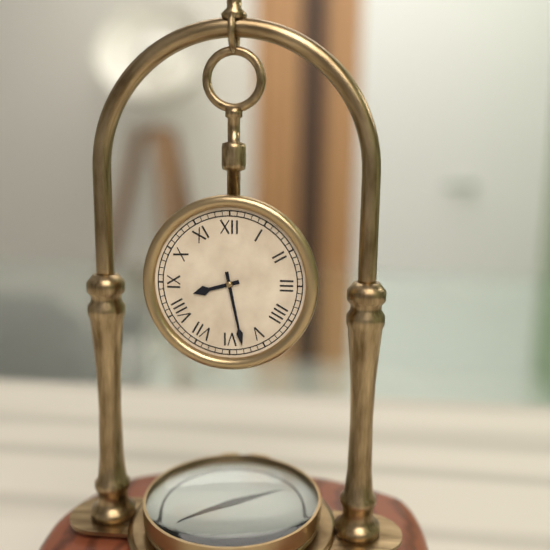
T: 8 h 28 min
